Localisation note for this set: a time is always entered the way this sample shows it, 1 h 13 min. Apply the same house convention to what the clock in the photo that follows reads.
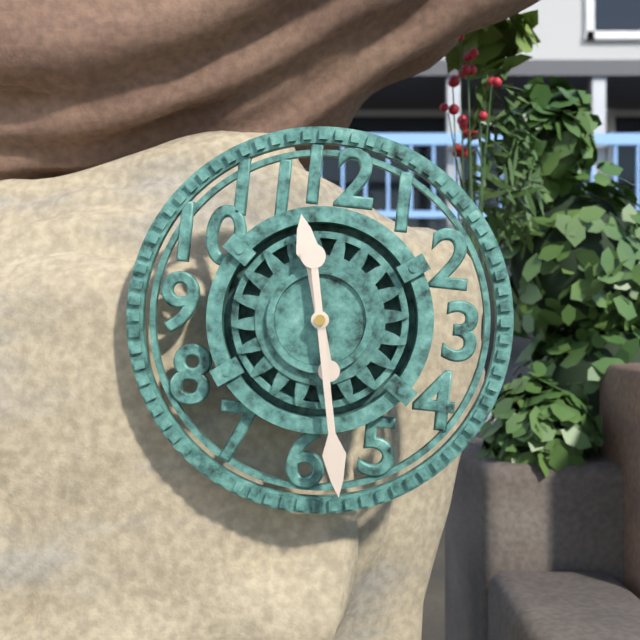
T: 11 h 28 min
